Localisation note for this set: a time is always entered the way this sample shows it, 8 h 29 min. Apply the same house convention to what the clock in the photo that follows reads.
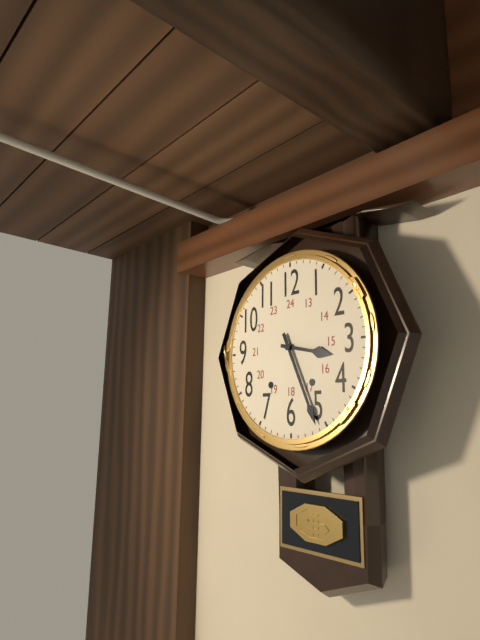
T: 3 h 26 min
